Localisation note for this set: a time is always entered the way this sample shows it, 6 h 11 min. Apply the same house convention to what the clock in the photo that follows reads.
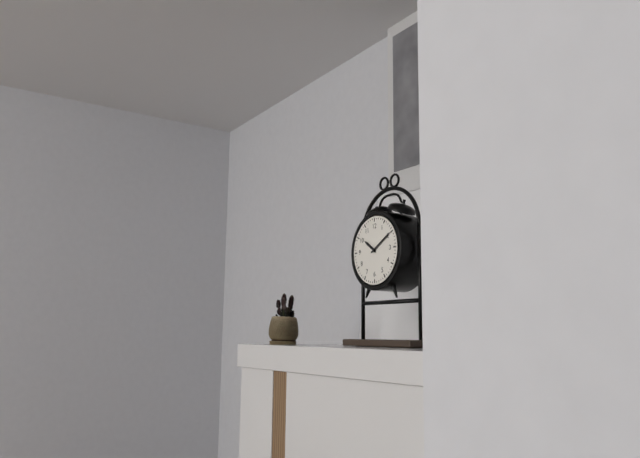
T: 10 h 10 min
